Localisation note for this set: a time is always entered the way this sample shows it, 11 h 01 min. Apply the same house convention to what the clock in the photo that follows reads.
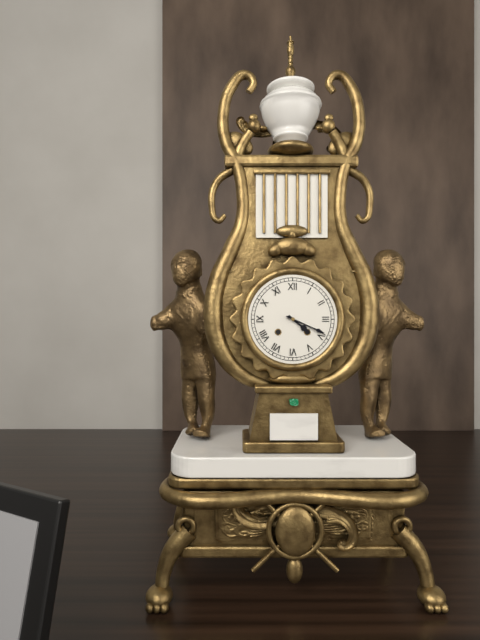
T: 4 h 19 min
